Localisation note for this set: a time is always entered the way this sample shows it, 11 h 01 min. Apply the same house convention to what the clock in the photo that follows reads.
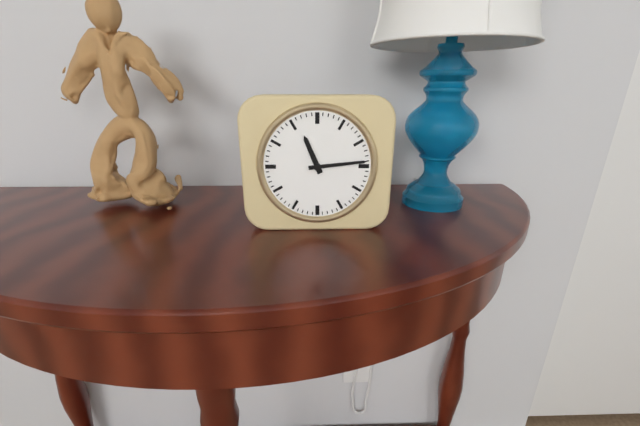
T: 11 h 14 min
